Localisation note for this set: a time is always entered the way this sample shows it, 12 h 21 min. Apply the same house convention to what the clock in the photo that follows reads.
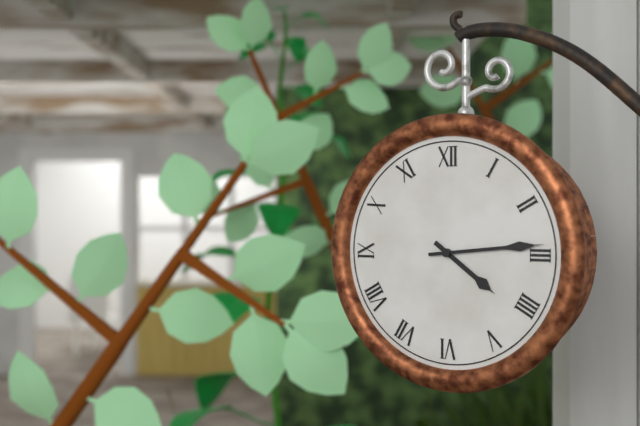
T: 4 h 14 min
